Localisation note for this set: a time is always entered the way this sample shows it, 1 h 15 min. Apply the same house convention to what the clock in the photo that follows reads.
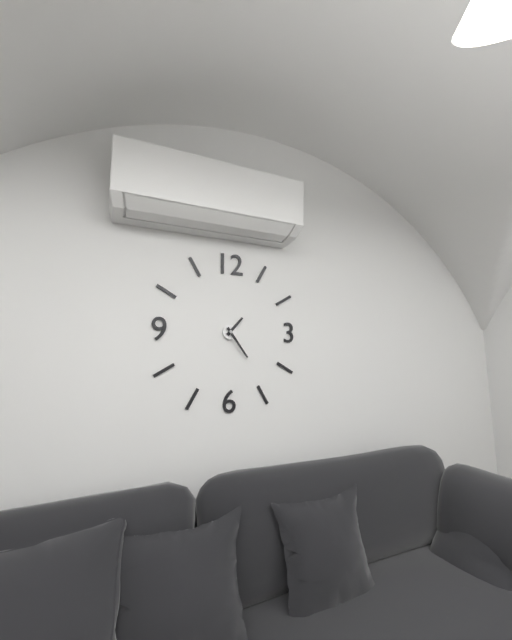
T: 1 h 24 min
